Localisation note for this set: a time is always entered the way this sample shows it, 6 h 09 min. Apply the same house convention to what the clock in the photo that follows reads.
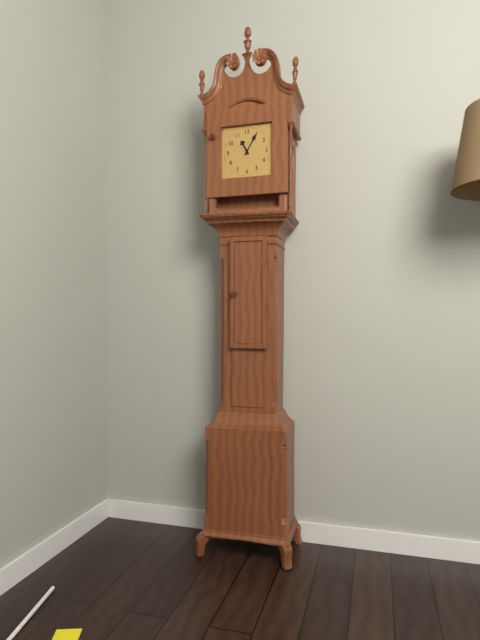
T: 11 h 05 min
